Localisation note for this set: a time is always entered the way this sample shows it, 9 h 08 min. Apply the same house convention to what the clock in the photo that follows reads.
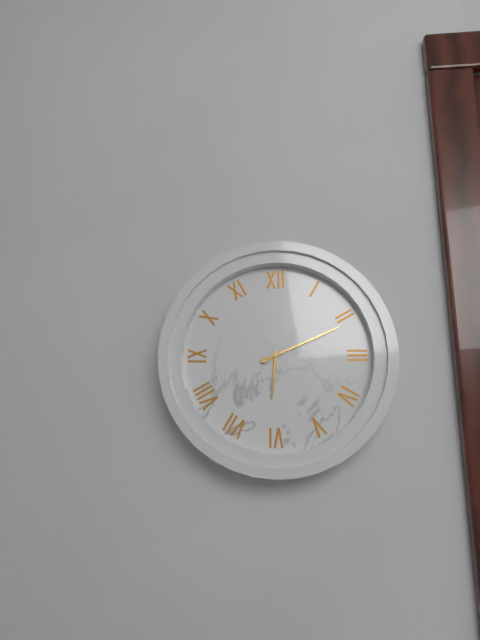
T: 6 h 11 min
